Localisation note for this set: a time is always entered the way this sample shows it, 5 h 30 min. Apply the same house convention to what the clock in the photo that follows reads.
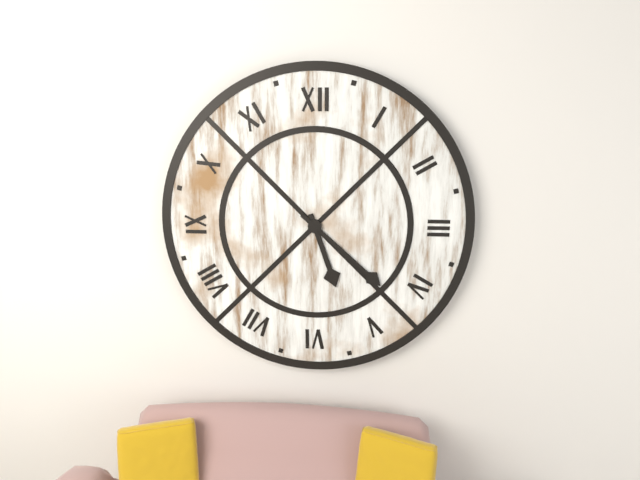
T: 5 h 22 min
